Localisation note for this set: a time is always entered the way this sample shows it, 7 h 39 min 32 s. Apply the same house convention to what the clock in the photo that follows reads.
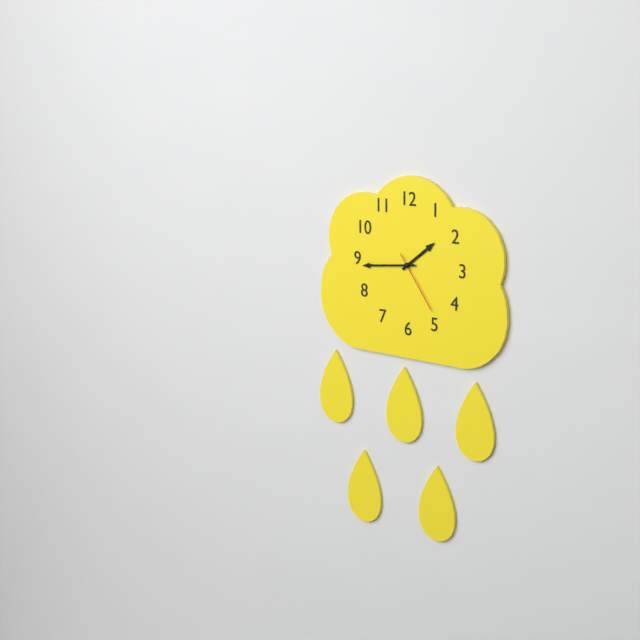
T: 1 h 44 min 24 s
